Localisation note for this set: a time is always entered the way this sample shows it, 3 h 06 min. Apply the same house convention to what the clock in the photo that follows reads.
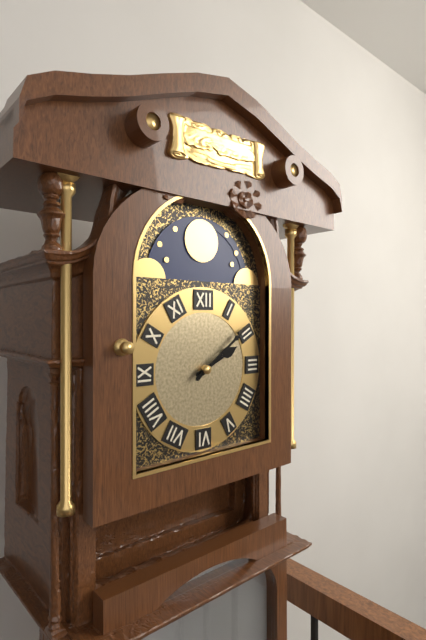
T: 2 h 09 min
